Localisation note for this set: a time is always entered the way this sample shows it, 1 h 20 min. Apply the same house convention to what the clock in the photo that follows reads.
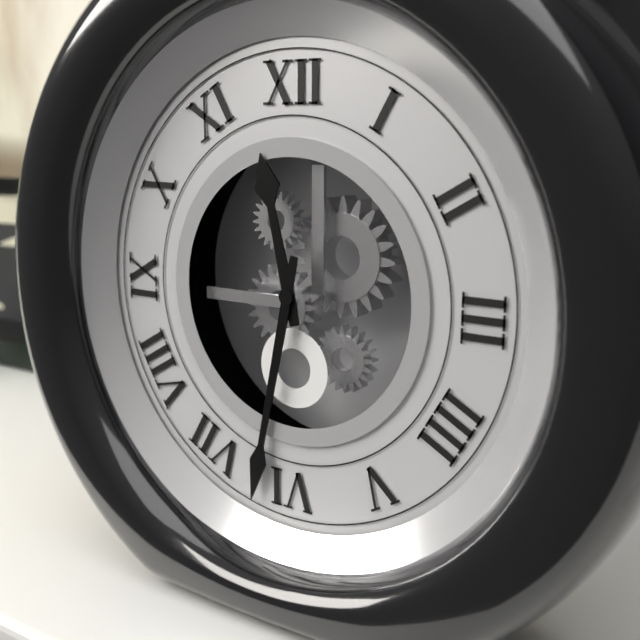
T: 11 h 32 min
